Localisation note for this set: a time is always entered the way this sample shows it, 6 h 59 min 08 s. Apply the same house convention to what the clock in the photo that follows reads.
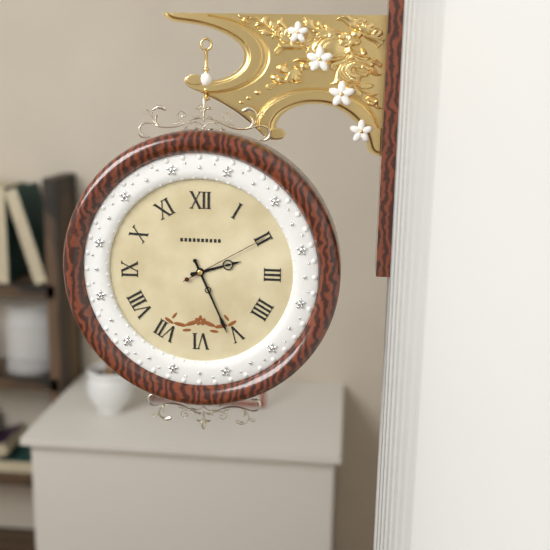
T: 2 h 26 min 10 s
